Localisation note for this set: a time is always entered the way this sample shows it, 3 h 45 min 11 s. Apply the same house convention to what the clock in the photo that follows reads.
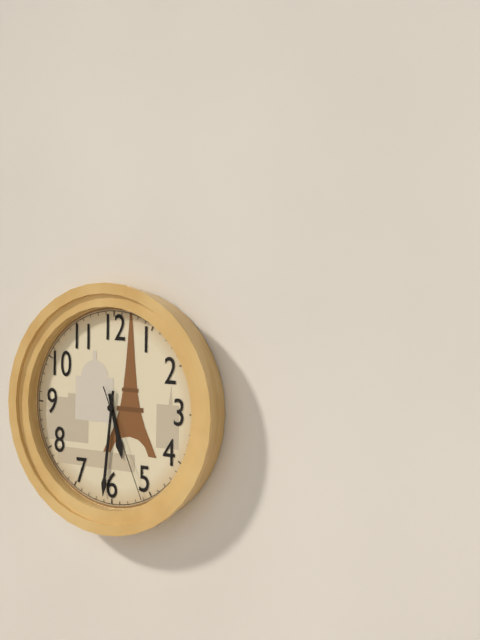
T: 5 h 31 min 26 s
